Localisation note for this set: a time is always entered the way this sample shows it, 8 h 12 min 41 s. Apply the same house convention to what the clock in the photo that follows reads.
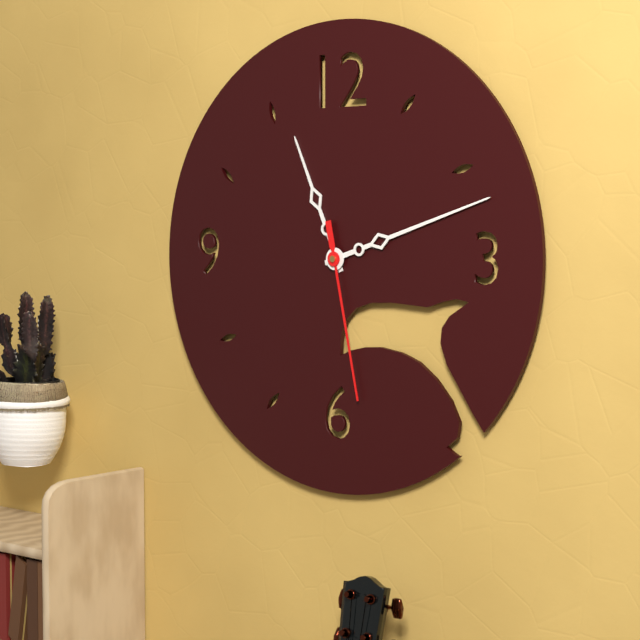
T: 11 h 12 min 28 s
